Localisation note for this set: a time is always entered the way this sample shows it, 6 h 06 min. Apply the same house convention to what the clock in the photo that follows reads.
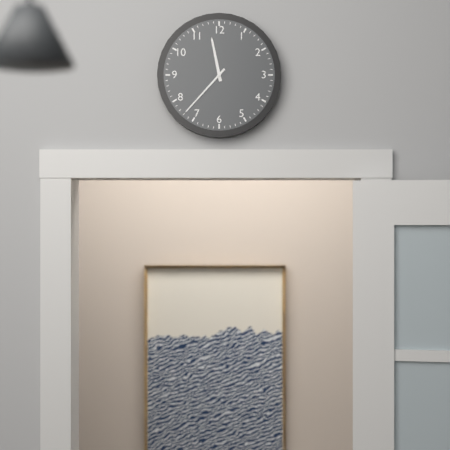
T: 11 h 37 min
